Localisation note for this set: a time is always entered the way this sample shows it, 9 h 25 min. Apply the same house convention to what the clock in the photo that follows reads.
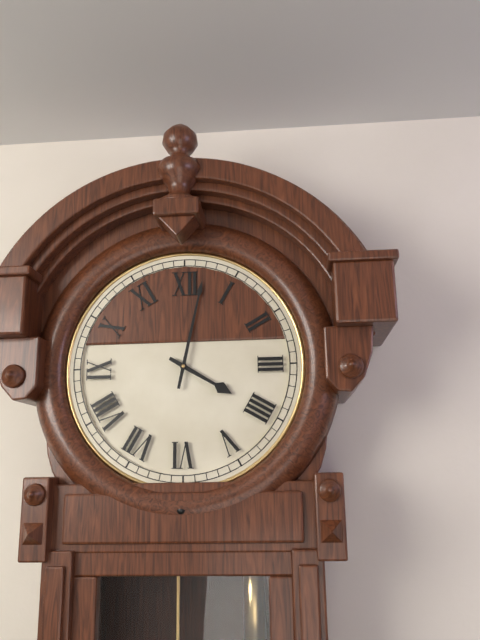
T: 4 h 02 min
